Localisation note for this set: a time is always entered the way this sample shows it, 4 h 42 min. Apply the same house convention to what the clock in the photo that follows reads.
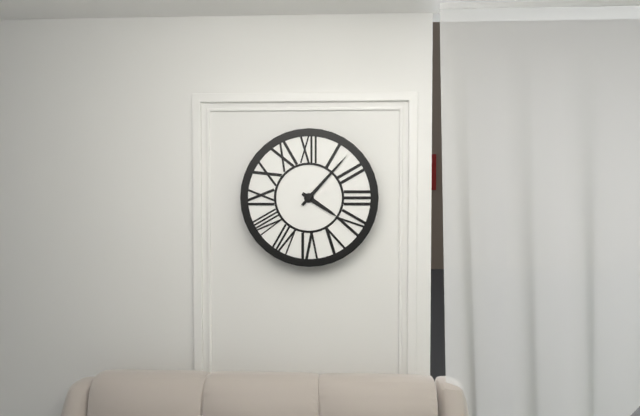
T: 4 h 07 min
